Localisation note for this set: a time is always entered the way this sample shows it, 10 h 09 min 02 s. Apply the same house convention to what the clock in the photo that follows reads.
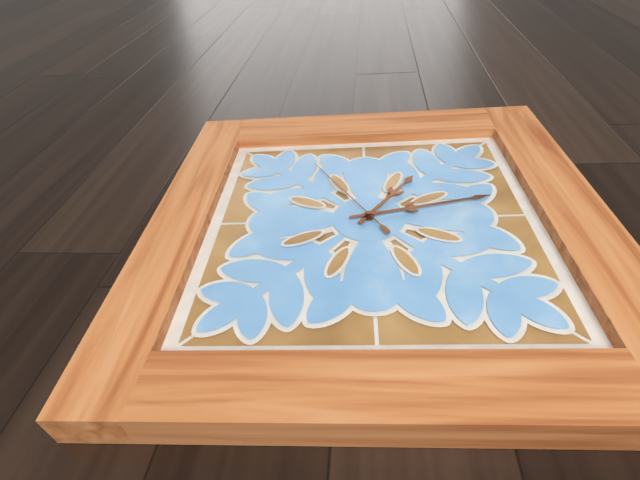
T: 1 h 13 min 55 s
